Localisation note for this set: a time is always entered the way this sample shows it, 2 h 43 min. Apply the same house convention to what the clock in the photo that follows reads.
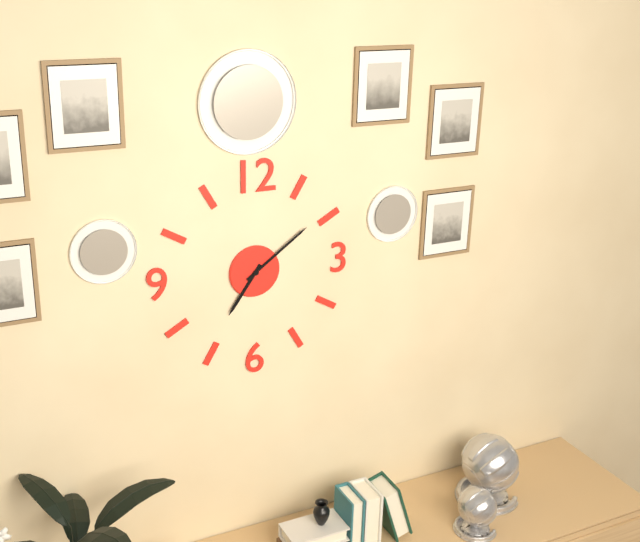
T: 7 h 09 min
